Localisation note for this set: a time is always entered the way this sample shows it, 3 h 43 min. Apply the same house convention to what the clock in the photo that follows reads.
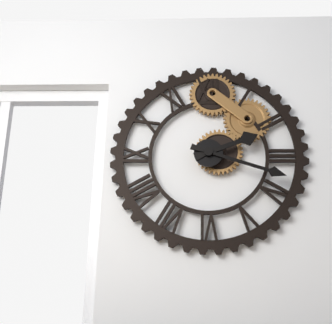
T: 2 h 18 min
